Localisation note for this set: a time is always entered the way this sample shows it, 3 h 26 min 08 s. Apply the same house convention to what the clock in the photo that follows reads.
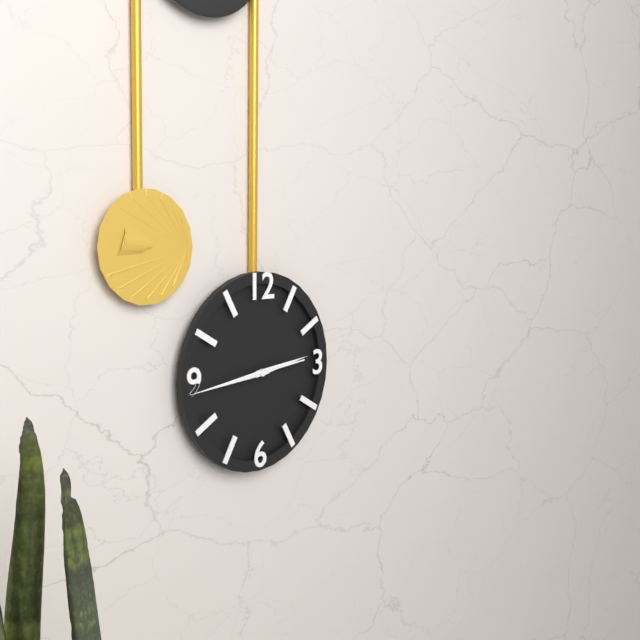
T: 2 h 44 min 14 s
